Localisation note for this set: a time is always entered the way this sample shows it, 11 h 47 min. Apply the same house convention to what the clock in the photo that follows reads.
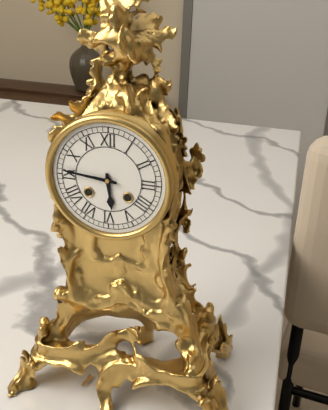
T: 5 h 46 min
